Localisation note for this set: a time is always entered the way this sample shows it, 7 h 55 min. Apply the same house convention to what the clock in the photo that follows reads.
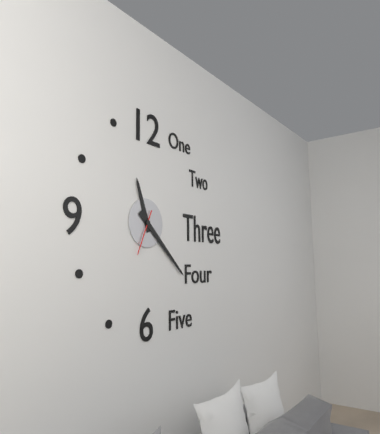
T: 11 h 22 min
